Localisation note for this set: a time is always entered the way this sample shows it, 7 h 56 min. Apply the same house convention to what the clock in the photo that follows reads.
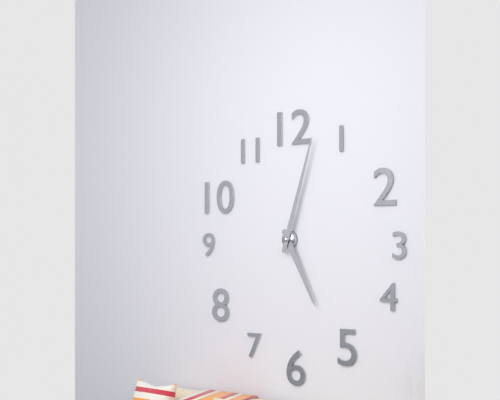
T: 5 h 03 min
